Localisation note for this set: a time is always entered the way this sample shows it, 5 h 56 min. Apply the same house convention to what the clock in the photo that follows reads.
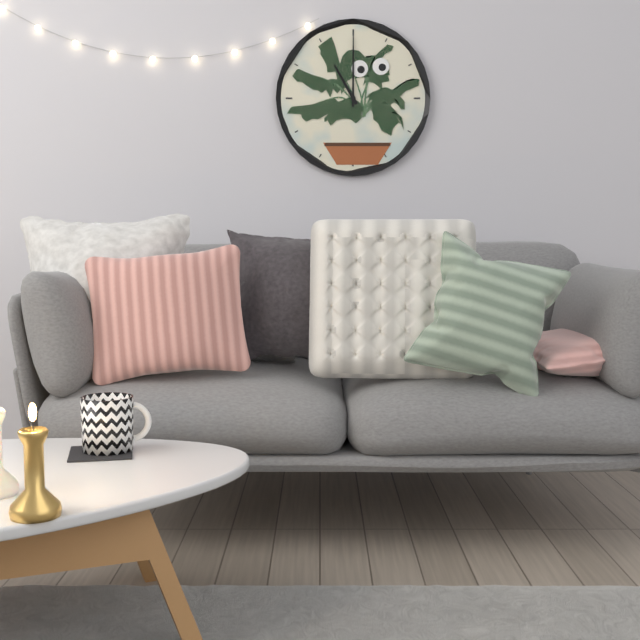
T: 11 h 00 min
